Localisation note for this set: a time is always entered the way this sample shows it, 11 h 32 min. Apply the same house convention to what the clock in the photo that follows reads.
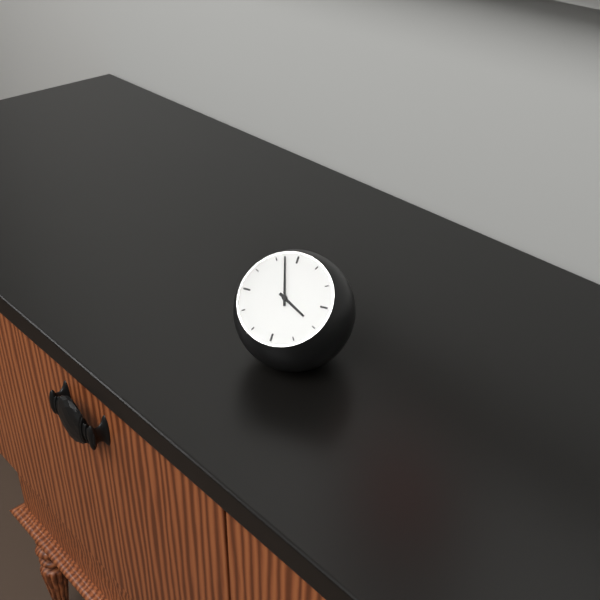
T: 3 h 57 min
